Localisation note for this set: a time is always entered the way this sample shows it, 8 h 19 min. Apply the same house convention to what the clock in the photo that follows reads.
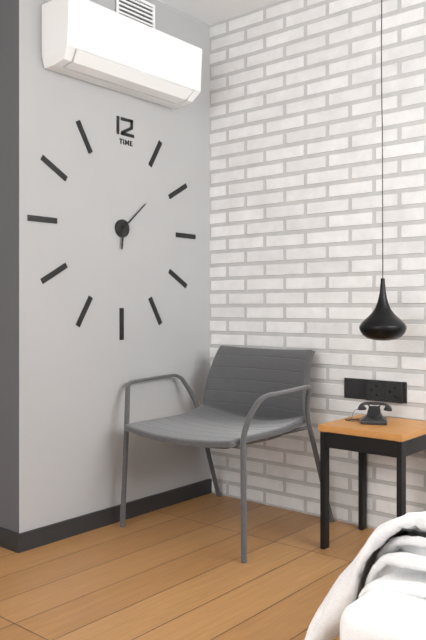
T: 6 h 08 min
